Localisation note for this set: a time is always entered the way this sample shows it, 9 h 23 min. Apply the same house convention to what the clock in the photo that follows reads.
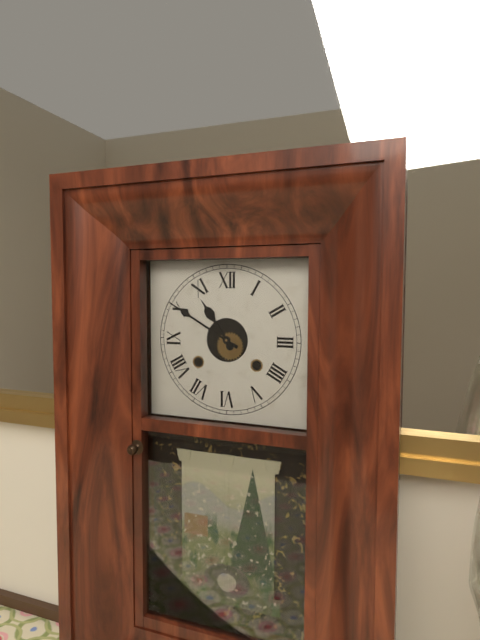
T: 10 h 50 min
